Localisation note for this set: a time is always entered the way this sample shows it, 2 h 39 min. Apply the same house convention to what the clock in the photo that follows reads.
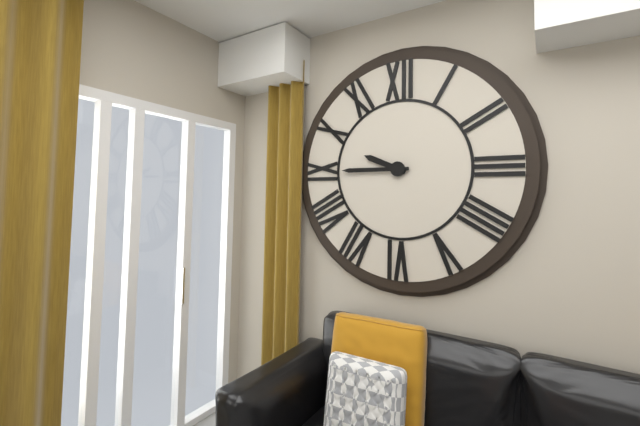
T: 9 h 45 min
